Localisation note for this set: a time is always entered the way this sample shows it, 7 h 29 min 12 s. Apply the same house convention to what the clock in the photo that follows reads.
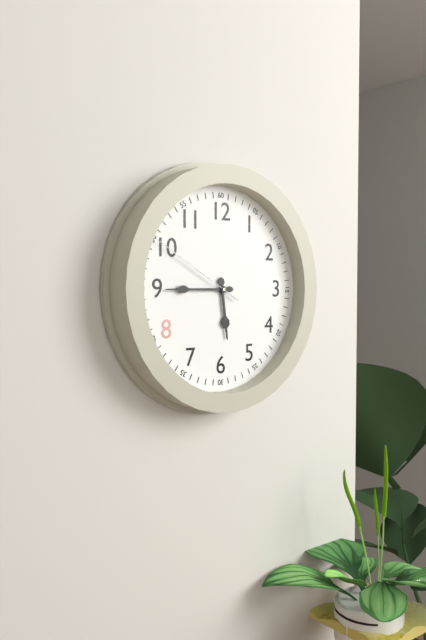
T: 5 h 45 min 50 s
